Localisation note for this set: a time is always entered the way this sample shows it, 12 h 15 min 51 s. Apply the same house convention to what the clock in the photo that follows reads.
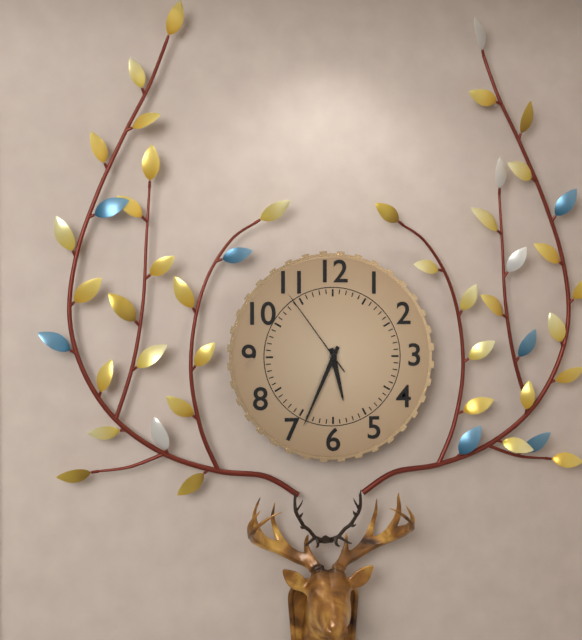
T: 5 h 34 min 54 s
